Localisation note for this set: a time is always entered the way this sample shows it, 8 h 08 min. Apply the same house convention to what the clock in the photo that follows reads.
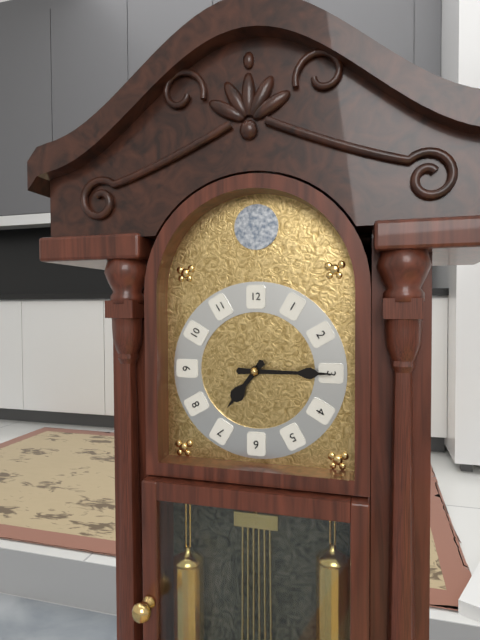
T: 7 h 15 min
